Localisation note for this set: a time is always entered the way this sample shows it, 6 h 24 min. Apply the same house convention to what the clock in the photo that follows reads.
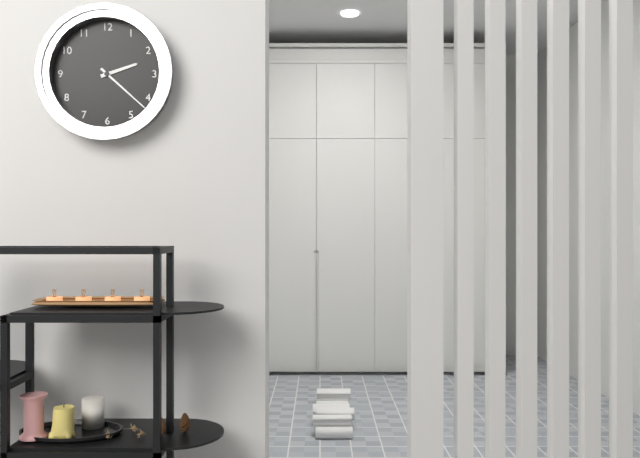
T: 2 h 22 min
